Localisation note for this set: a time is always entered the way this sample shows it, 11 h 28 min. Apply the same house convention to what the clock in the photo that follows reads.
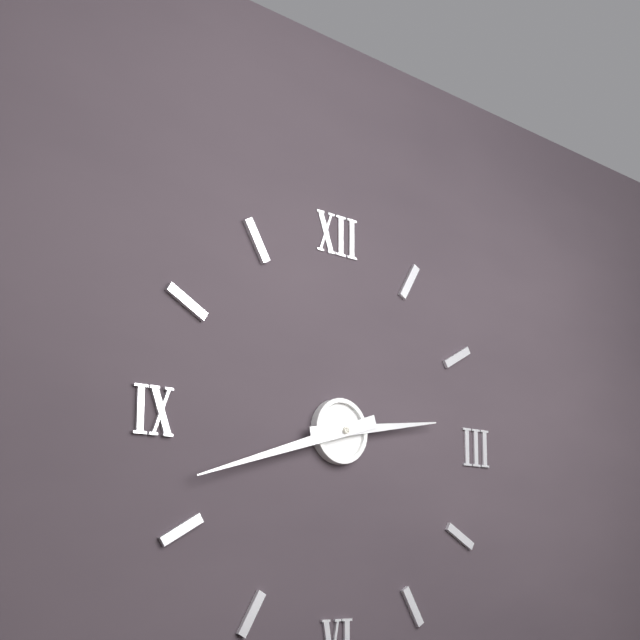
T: 2 h 42 min
